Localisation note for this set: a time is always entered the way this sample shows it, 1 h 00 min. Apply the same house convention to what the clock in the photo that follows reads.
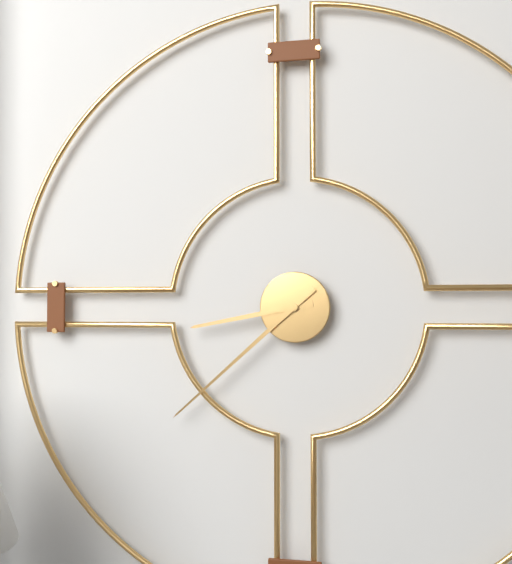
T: 8 h 38 min
